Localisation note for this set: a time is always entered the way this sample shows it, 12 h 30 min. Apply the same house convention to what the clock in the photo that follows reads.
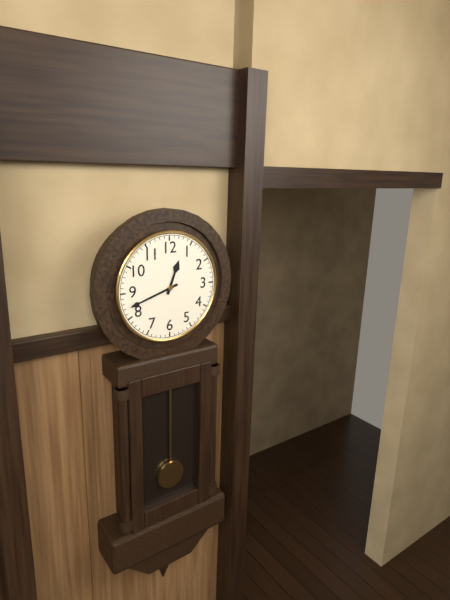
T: 12 h 42 min
